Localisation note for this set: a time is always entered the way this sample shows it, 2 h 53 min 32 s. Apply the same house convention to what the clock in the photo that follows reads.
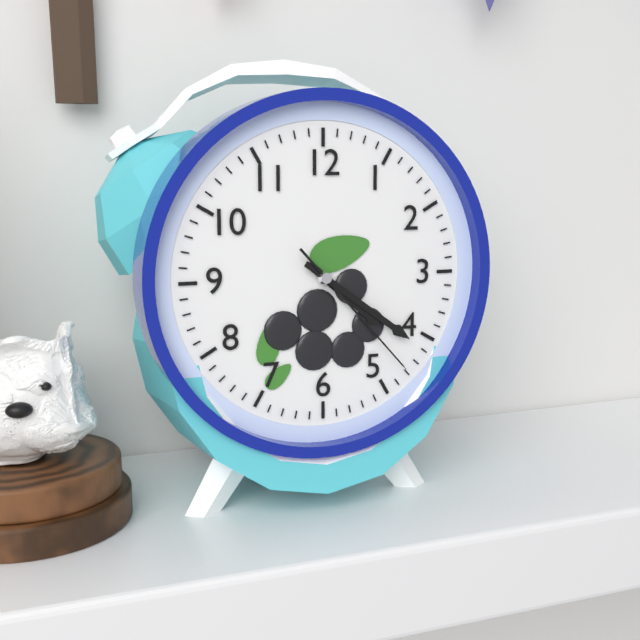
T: 4 h 21 min 23 s
